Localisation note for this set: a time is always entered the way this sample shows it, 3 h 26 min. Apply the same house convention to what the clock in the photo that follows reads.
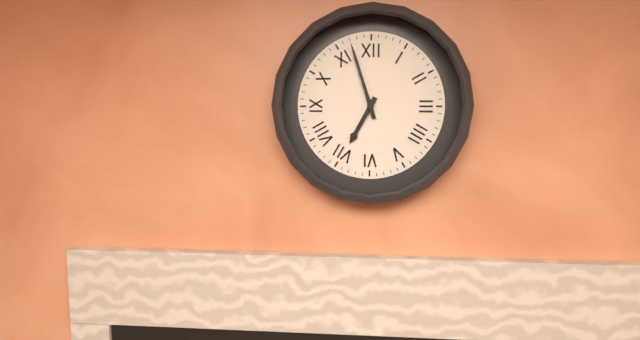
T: 6 h 57 min
